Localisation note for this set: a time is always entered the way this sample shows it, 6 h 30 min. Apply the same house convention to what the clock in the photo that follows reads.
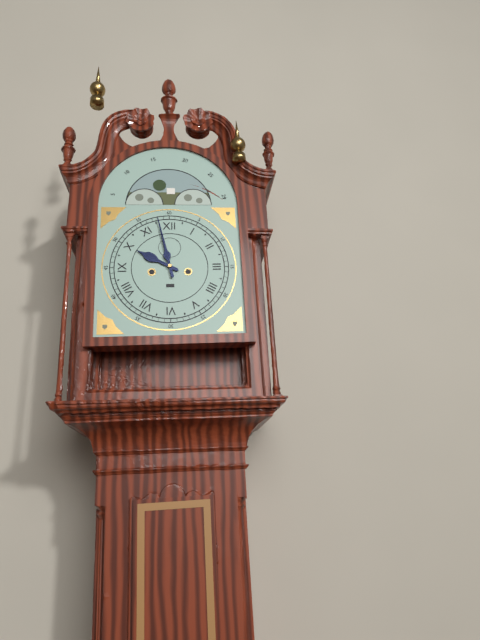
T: 9 h 58 min
